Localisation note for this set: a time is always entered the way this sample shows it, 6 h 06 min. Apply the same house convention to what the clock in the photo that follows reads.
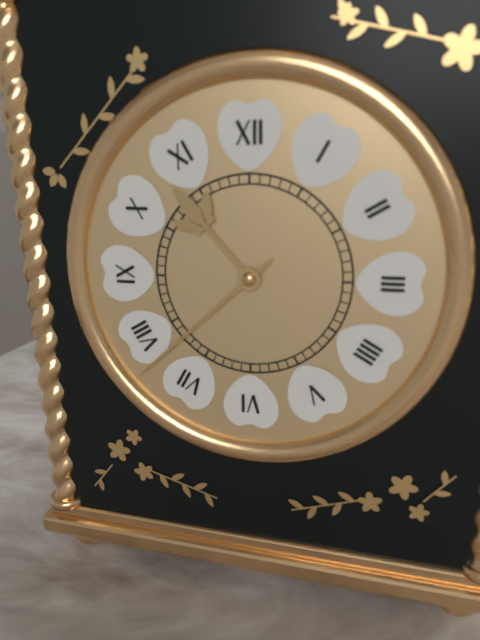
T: 10 h 38 min
